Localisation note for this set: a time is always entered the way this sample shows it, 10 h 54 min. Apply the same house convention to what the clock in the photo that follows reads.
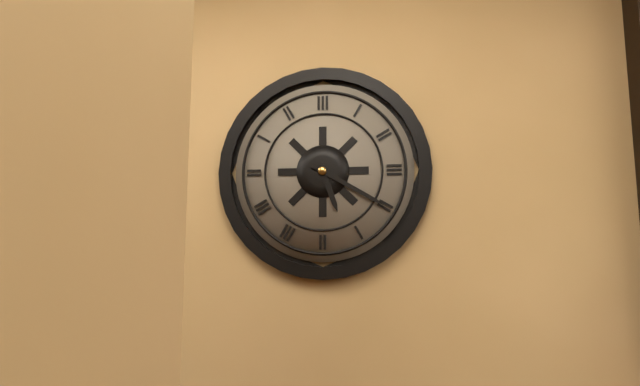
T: 5 h 20 min
